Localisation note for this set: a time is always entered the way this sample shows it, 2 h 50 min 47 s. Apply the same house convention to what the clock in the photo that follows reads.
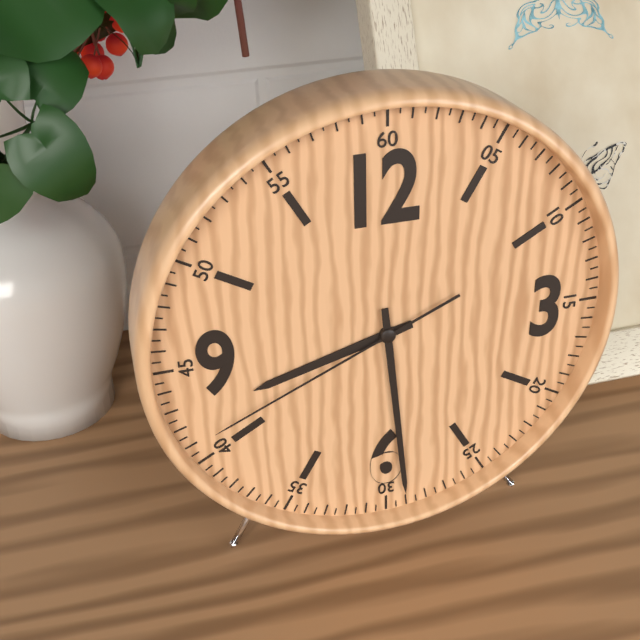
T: 8 h 29 min 41 s
